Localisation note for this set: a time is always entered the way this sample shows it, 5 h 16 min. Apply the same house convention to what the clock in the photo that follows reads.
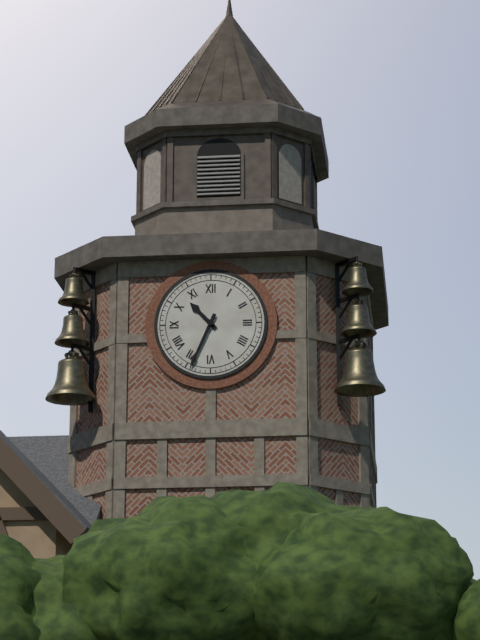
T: 10 h 34 min
